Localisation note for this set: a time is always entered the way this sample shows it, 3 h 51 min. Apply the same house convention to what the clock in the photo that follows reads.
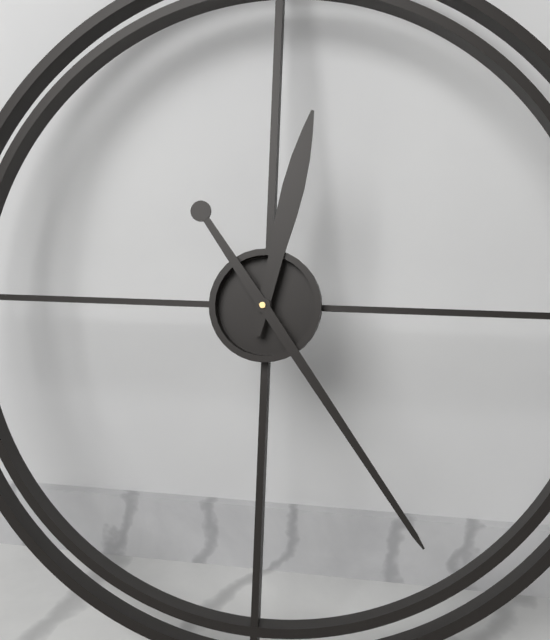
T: 12 h 24 min
